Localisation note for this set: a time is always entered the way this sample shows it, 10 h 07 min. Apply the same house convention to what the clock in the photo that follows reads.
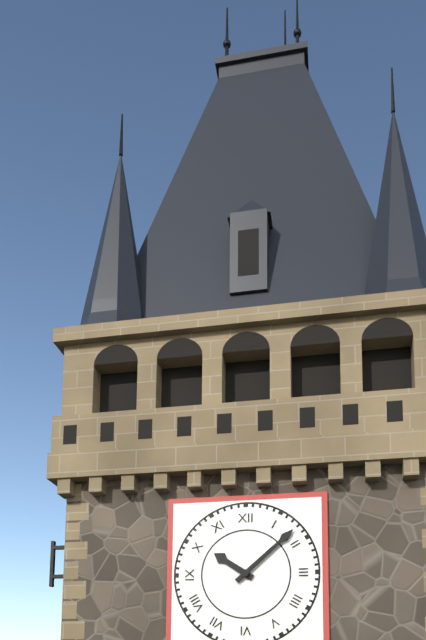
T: 10 h 08 min
